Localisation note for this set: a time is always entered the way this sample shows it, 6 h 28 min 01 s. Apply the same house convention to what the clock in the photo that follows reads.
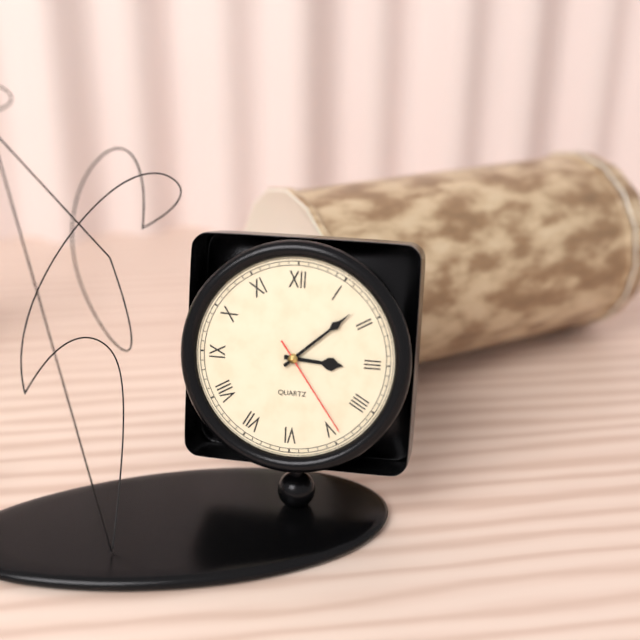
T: 3 h 08 min 24 s
